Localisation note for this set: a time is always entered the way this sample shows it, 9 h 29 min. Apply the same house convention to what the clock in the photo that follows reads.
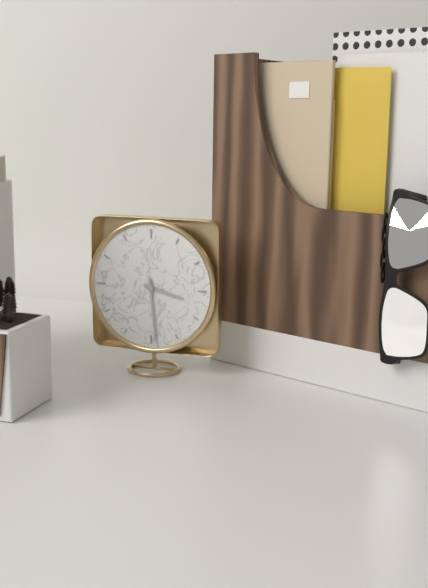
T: 3 h 29 min
